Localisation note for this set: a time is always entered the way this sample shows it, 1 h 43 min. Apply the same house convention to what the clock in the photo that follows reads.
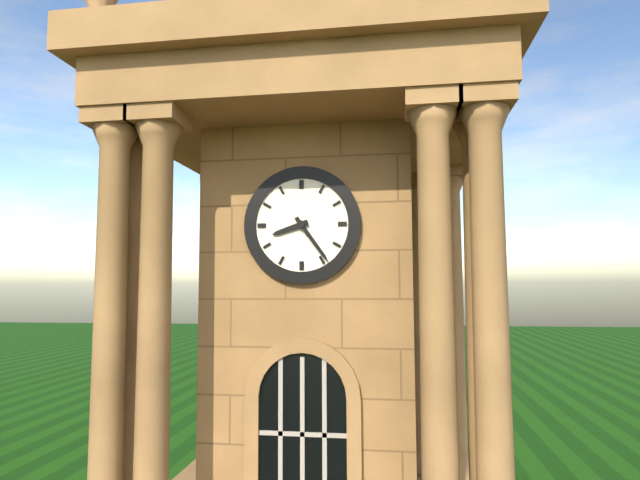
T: 8 h 24 min
